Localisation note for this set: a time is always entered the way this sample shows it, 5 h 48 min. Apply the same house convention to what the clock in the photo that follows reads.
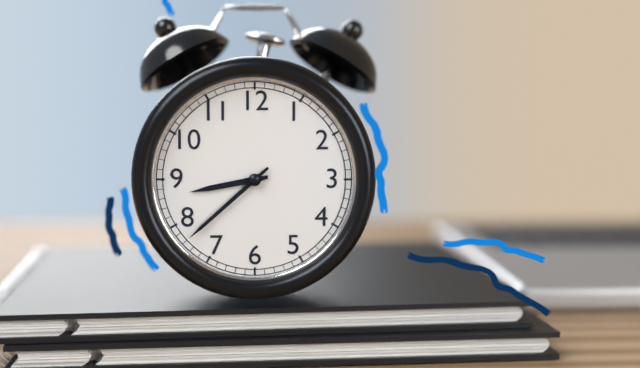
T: 8 h 38 min
